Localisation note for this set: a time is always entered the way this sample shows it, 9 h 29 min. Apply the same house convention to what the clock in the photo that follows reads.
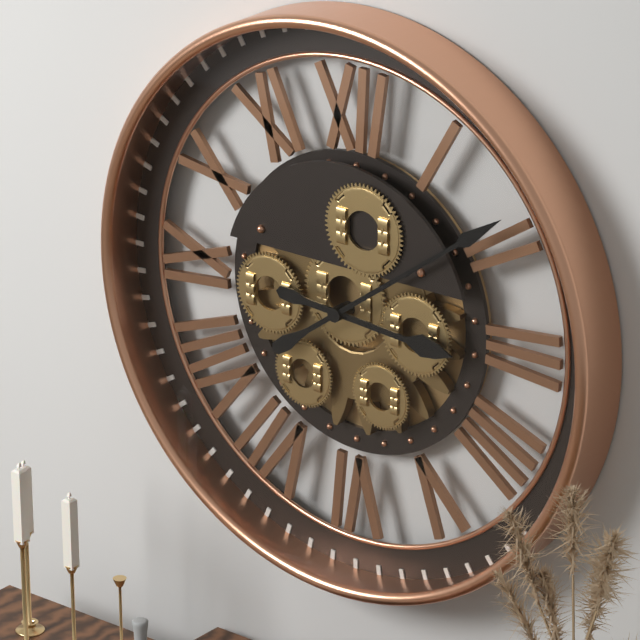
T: 3 h 09 min
